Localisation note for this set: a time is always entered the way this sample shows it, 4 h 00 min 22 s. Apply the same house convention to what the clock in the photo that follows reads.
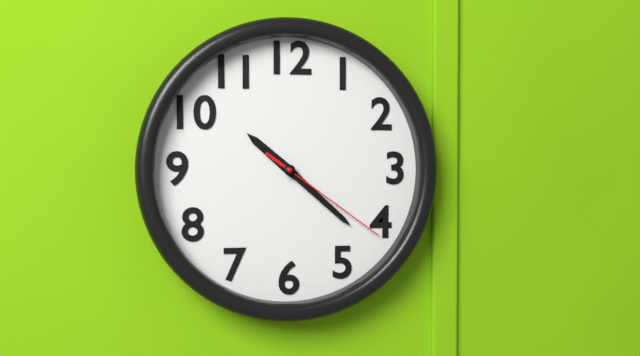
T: 10 h 22 min 21 s
